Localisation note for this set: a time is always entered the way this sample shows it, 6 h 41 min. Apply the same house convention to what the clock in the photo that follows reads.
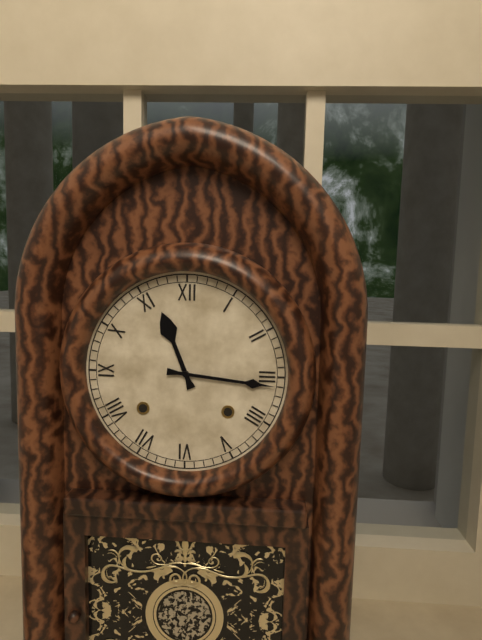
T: 11 h 16 min
